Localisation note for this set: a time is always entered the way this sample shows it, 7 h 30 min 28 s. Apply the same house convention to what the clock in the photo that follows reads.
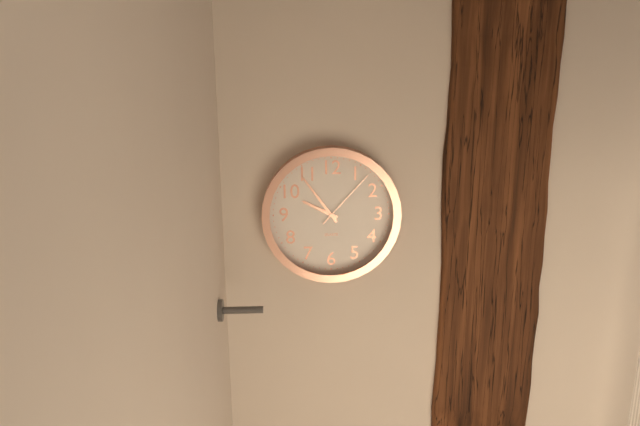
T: 9 h 54 min 07 s
